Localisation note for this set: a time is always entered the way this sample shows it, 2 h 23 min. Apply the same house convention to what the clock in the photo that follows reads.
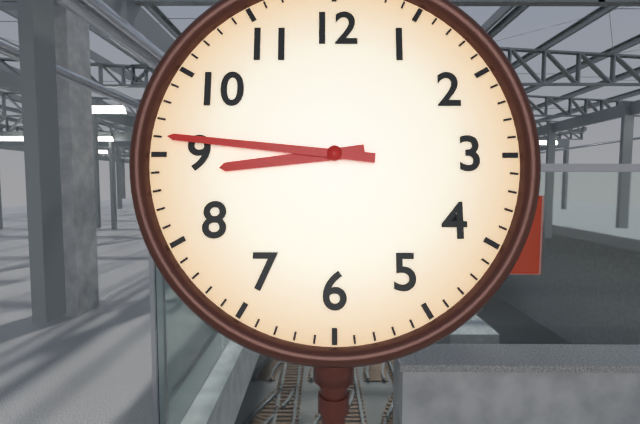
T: 8 h 46 min
